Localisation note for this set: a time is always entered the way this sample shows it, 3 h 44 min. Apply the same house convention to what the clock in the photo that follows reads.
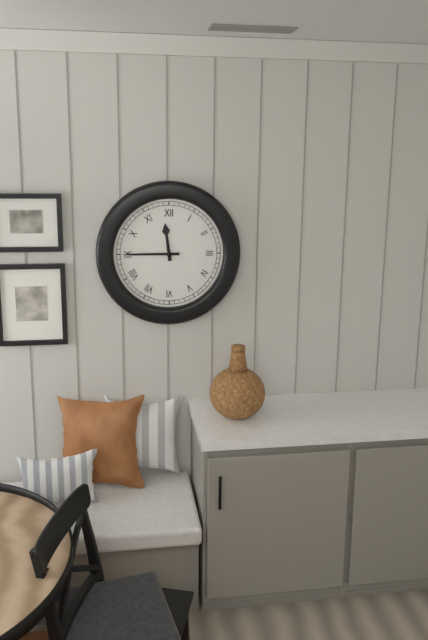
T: 11 h 45 min
